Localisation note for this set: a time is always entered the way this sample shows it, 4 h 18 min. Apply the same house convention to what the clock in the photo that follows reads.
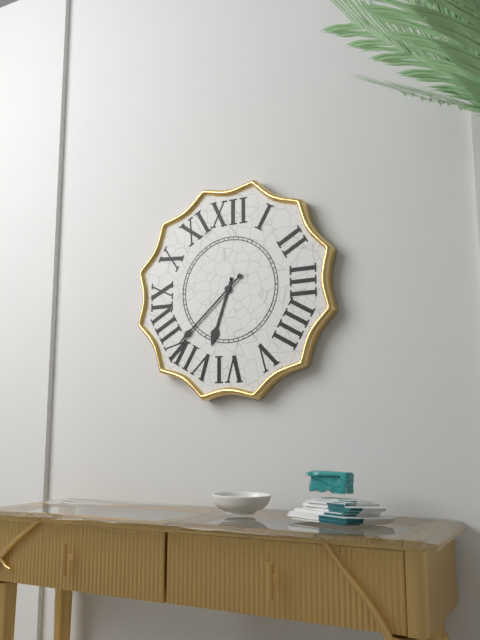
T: 6 h 38 min
